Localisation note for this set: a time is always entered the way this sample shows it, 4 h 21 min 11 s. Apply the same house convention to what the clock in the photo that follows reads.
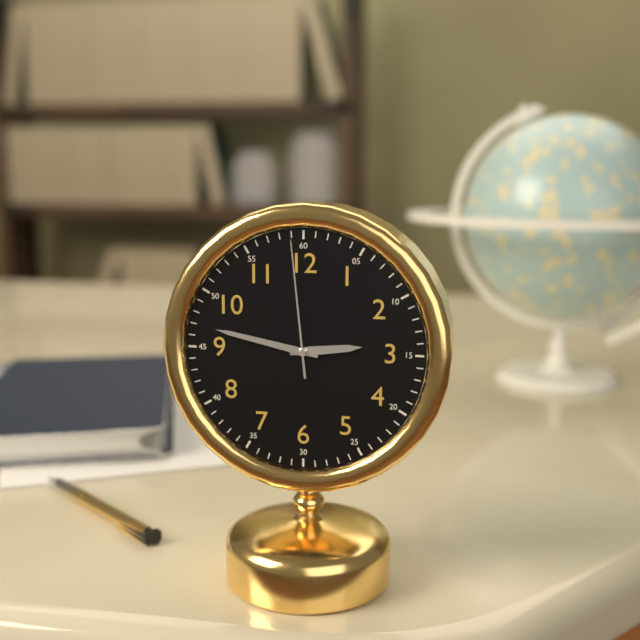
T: 2 h 47 min 59 s
